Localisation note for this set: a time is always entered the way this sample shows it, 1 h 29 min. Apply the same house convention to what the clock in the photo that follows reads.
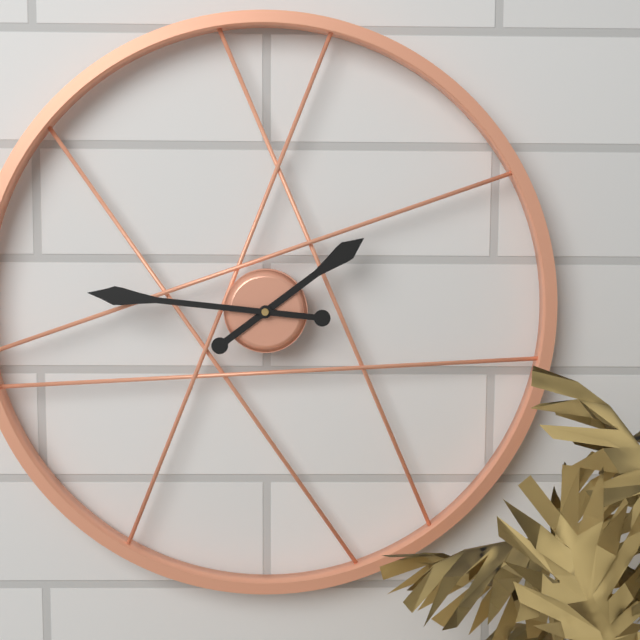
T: 1 h 46 min
